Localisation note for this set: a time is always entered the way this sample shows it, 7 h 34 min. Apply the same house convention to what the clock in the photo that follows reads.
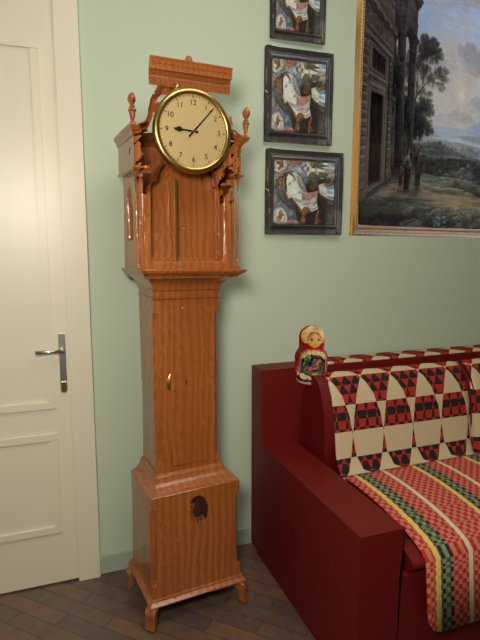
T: 9 h 07 min
